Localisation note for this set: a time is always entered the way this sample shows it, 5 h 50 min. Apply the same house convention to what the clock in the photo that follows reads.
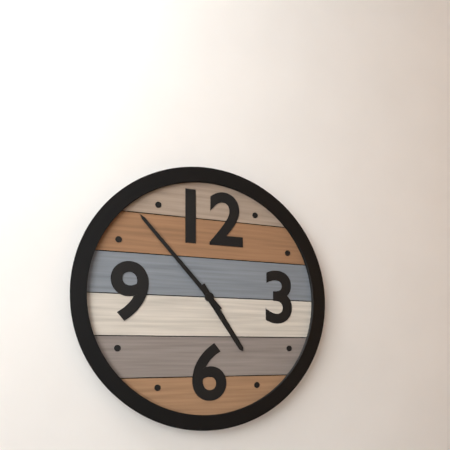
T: 4 h 53 min
